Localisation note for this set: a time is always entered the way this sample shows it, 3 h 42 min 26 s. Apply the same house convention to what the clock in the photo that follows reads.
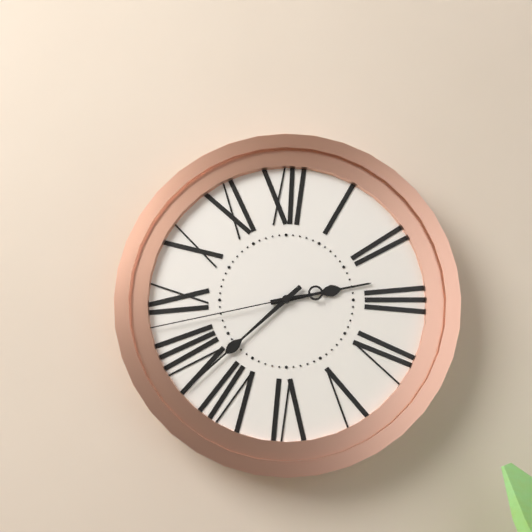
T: 2 h 38 min 43 s
